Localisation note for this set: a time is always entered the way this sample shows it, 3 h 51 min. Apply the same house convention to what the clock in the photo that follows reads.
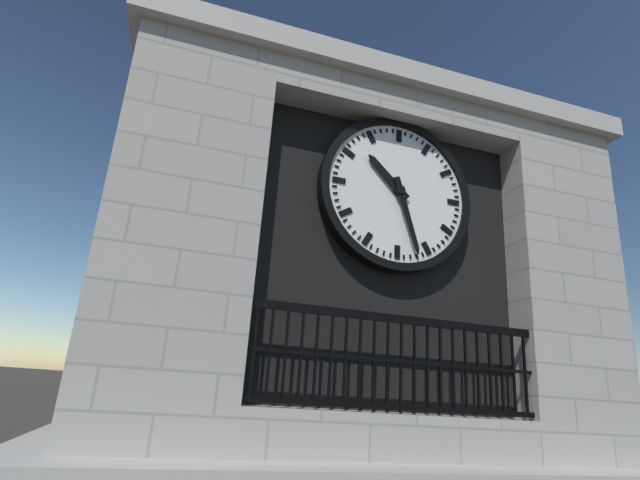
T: 10 h 27 min
